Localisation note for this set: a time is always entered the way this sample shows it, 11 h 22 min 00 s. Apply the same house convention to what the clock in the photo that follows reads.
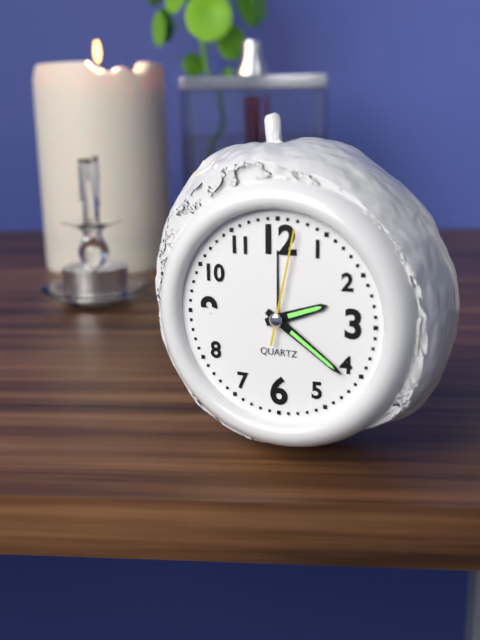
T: 2 h 21 min 02 s
